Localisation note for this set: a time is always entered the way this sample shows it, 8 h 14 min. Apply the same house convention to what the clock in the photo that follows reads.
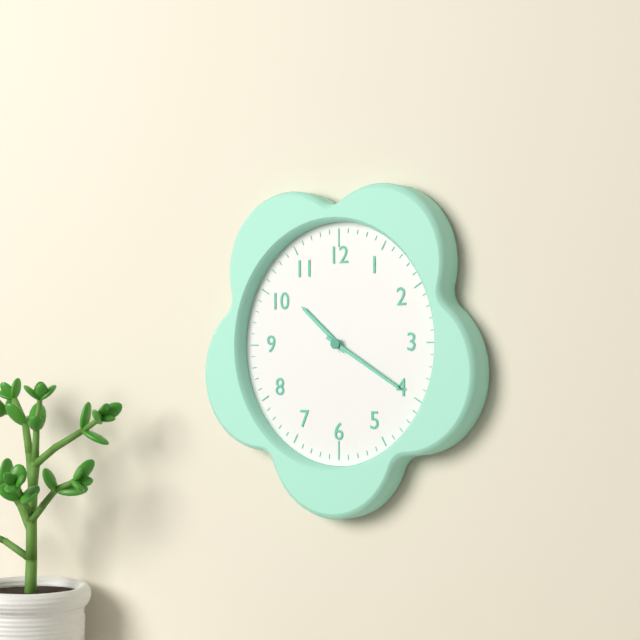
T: 10 h 20 min
